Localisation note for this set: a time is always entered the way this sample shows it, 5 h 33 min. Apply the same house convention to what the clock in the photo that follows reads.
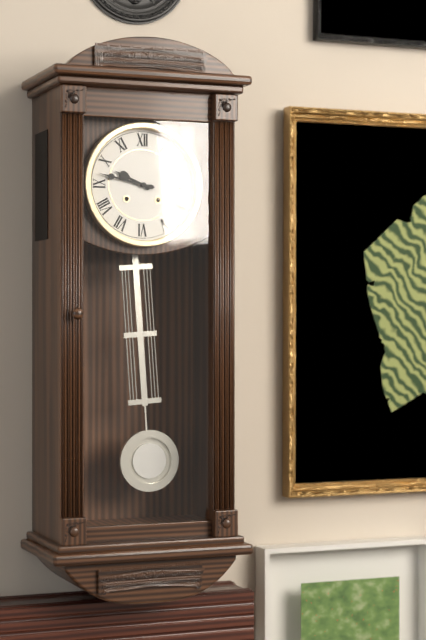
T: 9 h 47 min
